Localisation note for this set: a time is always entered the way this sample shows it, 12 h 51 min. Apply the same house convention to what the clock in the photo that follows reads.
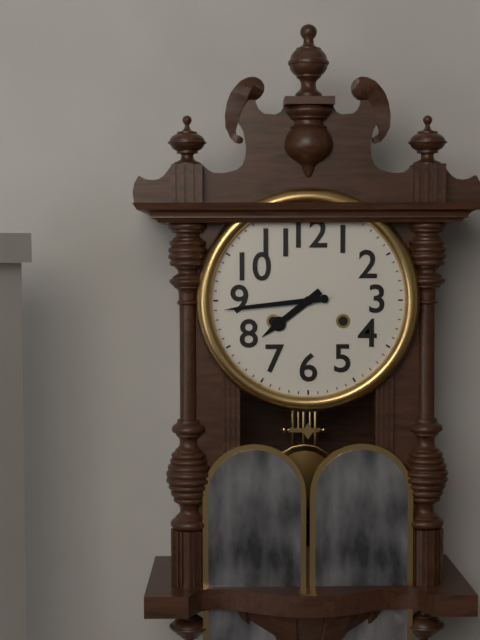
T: 7 h 44 min
